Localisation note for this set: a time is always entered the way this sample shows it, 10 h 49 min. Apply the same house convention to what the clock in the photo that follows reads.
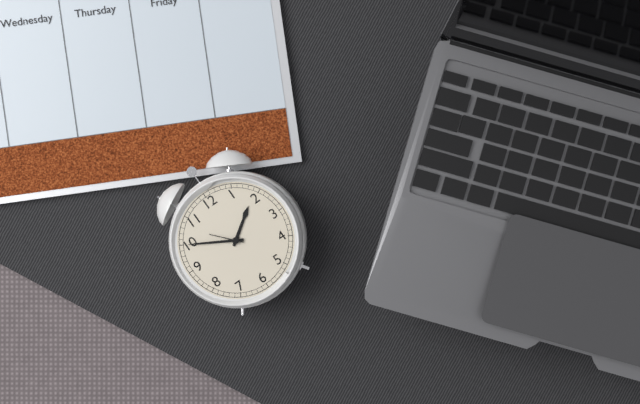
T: 1 h 50 min
